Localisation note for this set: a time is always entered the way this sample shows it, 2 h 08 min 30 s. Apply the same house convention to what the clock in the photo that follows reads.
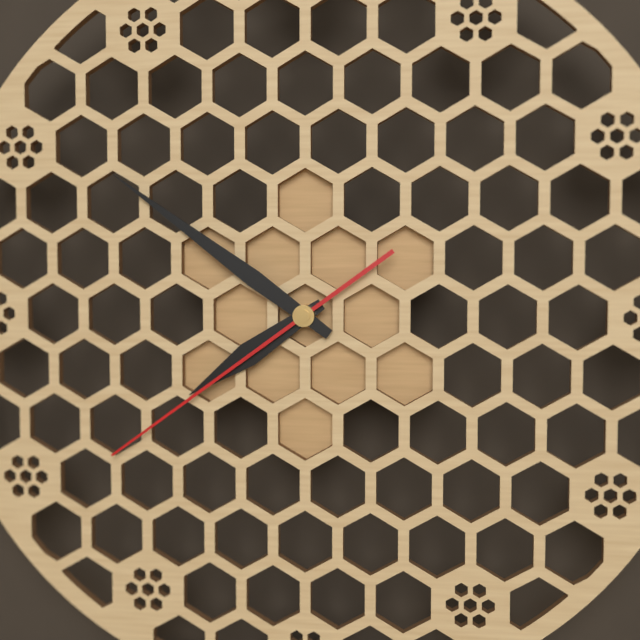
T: 7 h 51 min 39 s
